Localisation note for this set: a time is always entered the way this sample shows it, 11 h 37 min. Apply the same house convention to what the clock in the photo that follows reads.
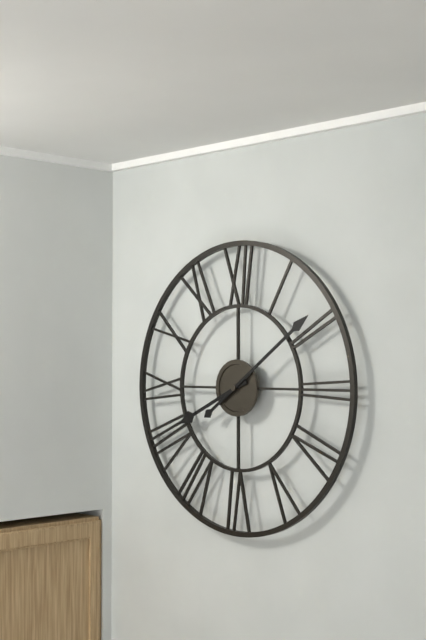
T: 8 h 09 min
